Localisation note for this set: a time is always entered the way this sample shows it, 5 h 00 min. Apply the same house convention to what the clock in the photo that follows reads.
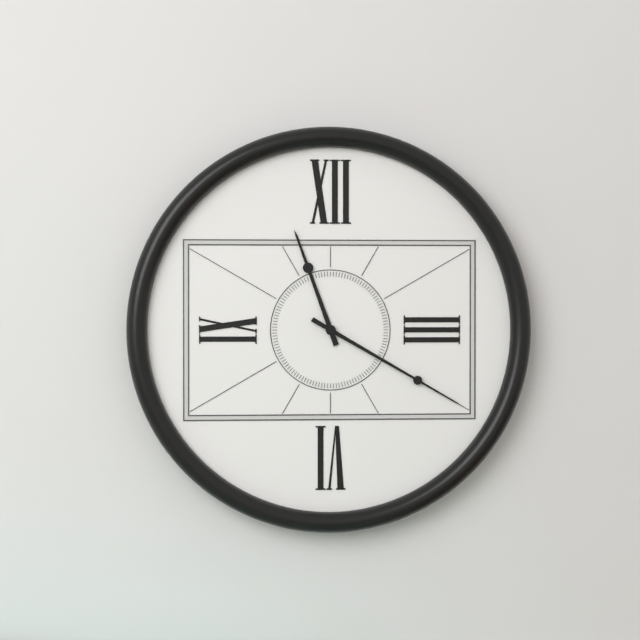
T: 11 h 20 min
